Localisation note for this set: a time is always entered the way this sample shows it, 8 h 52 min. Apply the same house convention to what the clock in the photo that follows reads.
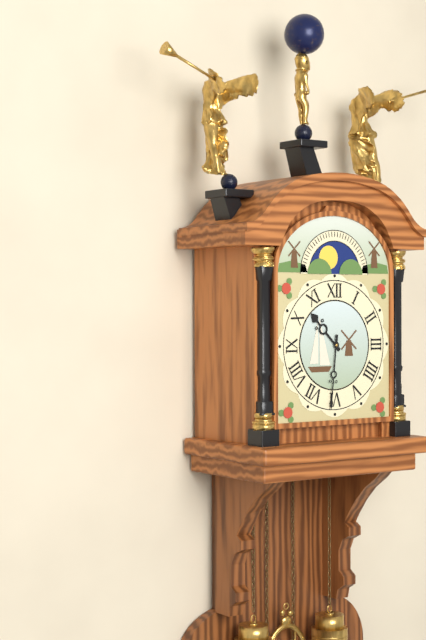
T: 10 h 31 min
